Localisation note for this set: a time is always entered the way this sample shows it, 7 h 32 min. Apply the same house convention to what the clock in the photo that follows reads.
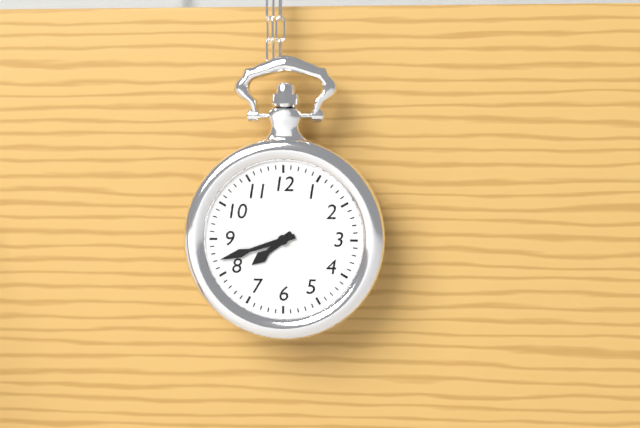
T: 7 h 42 min
